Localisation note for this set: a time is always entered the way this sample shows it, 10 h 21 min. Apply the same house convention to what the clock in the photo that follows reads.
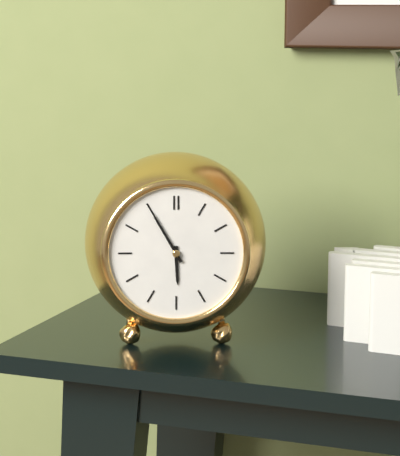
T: 5 h 55 min
